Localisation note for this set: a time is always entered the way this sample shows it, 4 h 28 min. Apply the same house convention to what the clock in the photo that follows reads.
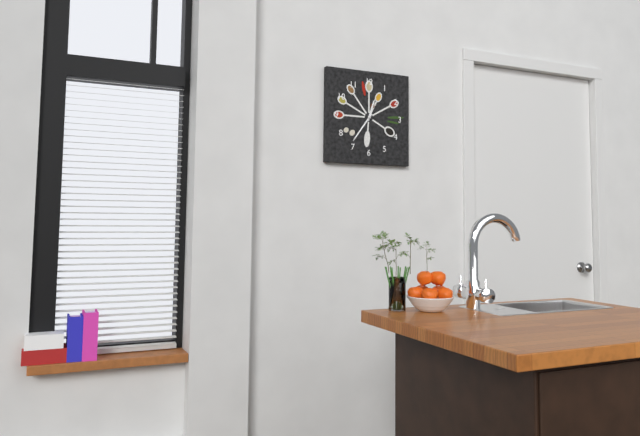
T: 12 h 36 min
